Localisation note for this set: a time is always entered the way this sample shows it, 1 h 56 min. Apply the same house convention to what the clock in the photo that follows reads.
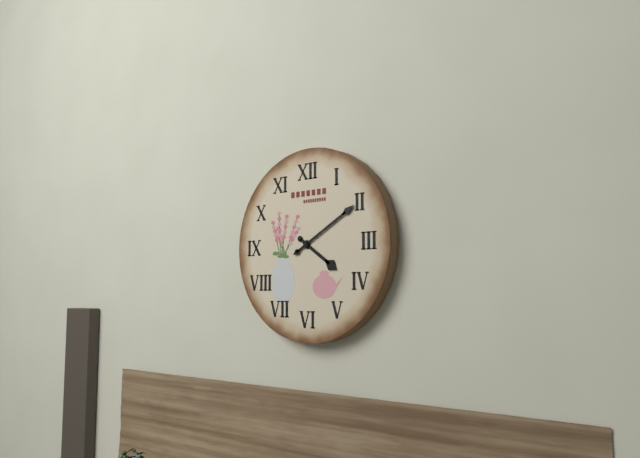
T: 4 h 10 min
